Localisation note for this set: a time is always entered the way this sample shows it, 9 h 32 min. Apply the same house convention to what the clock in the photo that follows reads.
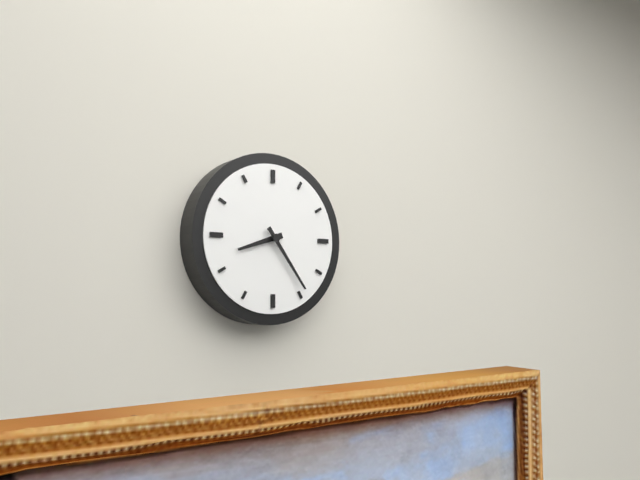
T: 8 h 24 min
